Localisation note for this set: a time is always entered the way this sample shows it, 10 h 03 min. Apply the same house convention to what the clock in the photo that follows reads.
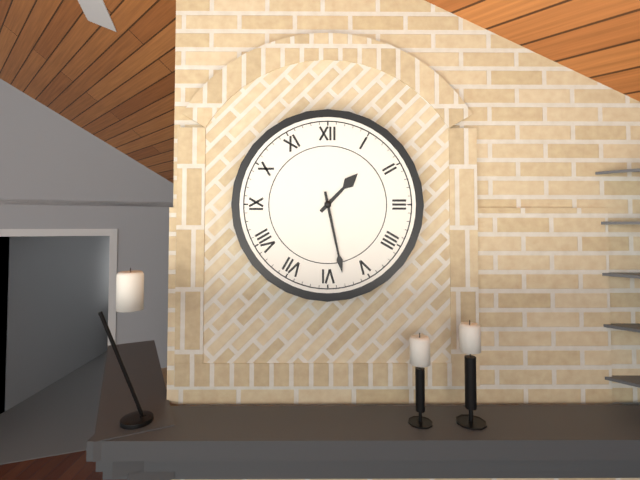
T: 1 h 28 min
